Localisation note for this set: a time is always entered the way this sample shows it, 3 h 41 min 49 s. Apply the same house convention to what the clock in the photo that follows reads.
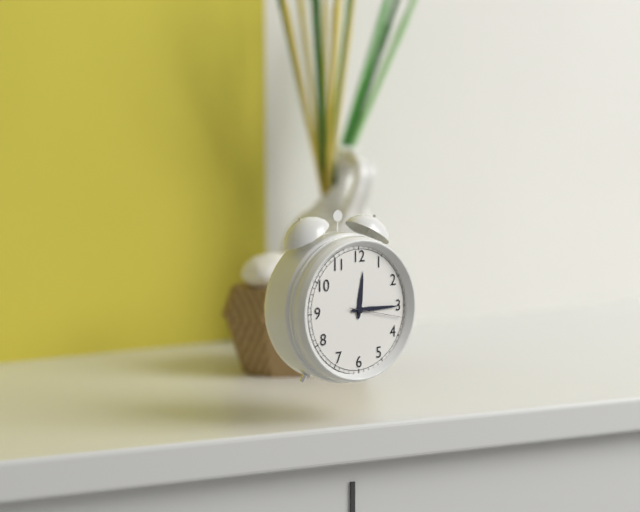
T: 12 h 15 min 17 s
